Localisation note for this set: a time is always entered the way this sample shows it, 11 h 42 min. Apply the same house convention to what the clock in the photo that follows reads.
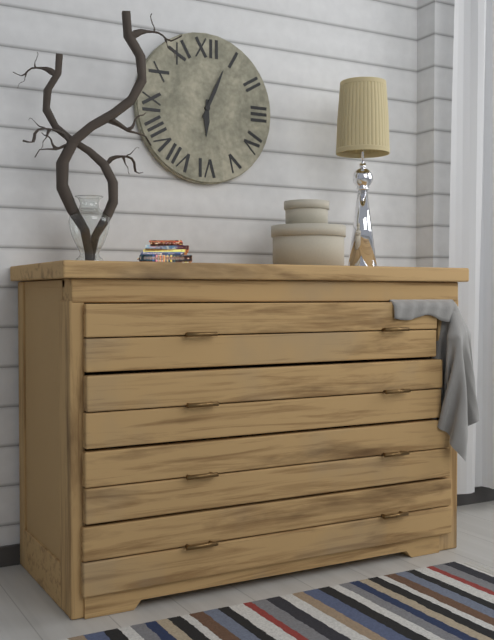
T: 6 h 04 min
